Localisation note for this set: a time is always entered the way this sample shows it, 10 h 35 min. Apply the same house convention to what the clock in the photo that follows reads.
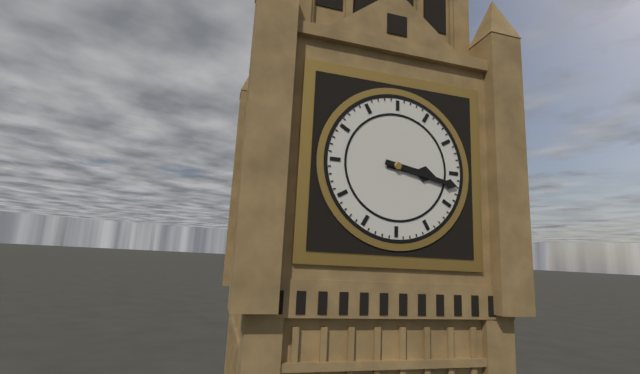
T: 3 h 17 min
